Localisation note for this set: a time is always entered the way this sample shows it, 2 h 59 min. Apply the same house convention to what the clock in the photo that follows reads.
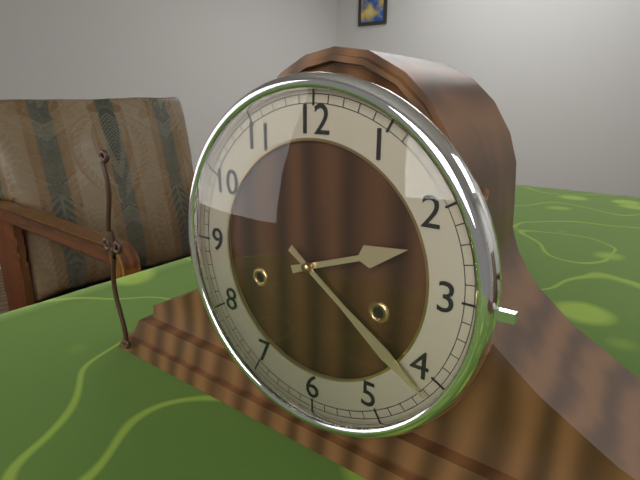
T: 2 h 21 min
